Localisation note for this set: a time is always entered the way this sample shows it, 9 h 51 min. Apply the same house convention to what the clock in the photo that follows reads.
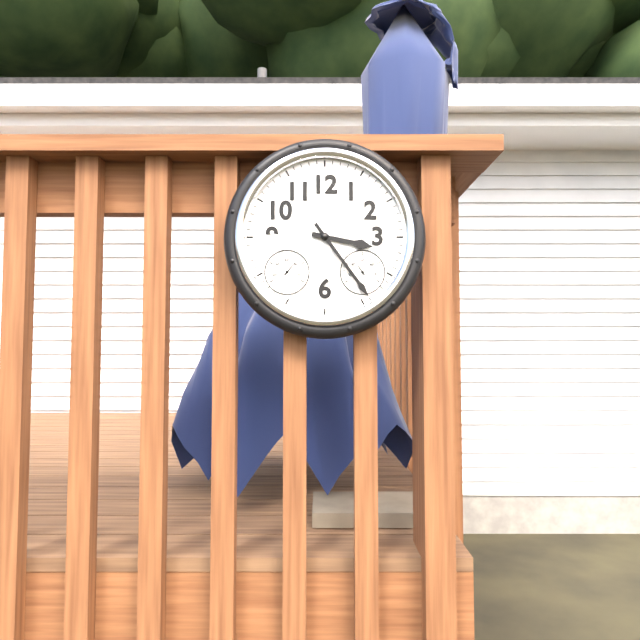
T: 3 h 24 min
